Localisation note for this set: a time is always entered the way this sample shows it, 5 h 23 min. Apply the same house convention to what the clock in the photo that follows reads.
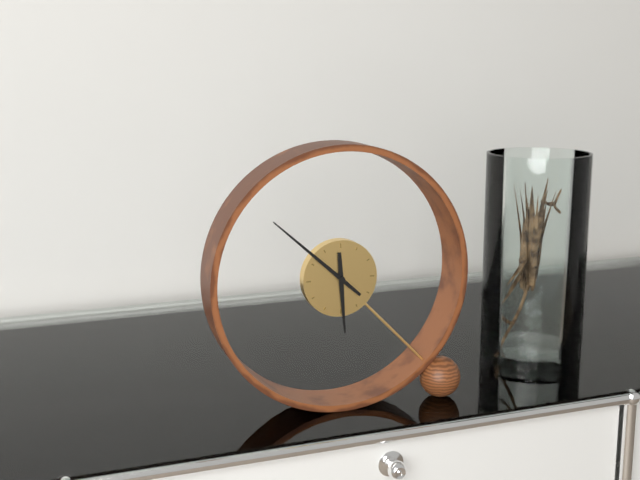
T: 5 h 52 min
